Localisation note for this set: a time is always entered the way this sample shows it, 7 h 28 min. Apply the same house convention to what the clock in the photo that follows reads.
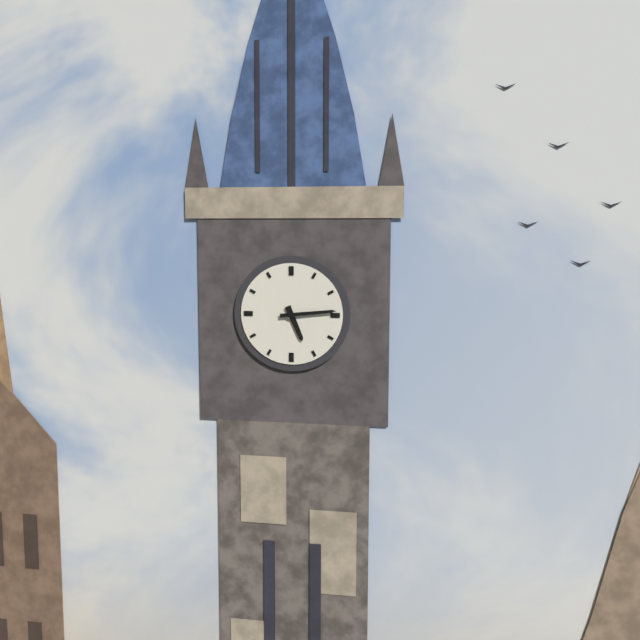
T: 5 h 14 min
